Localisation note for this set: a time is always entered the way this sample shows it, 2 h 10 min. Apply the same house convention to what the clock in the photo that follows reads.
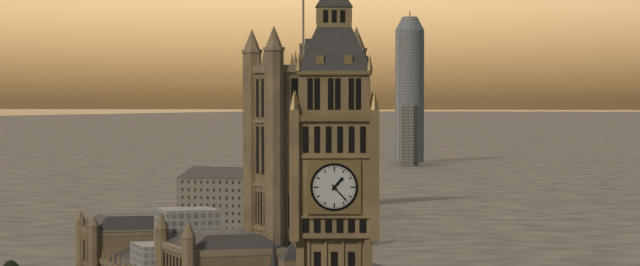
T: 1 h 23 min
